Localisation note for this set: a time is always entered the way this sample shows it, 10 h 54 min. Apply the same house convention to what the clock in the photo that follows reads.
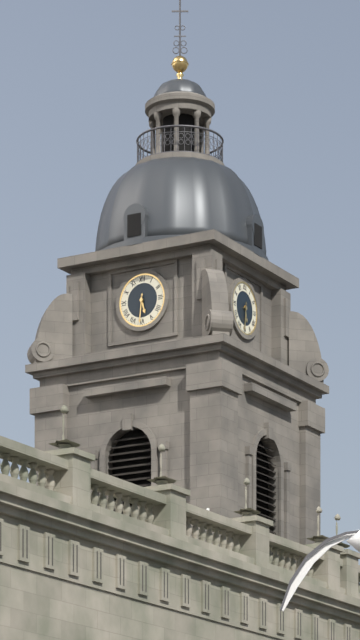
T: 5 h 31 min
